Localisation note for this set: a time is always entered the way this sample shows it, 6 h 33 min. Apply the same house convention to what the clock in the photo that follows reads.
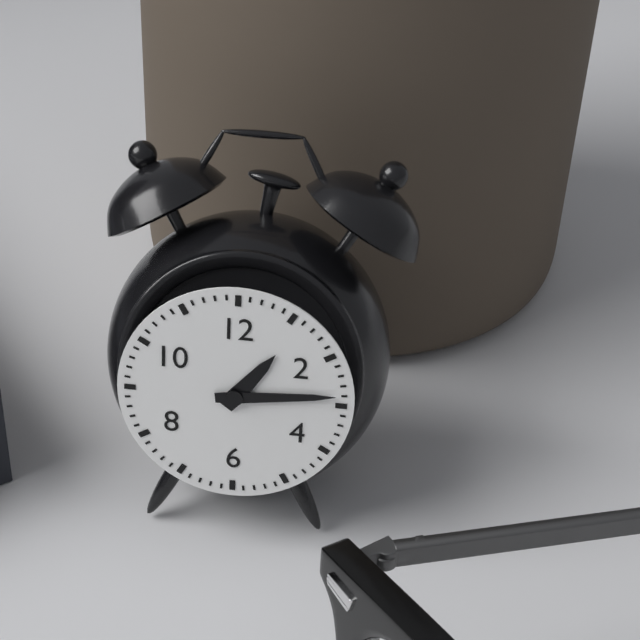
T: 1 h 14 min
